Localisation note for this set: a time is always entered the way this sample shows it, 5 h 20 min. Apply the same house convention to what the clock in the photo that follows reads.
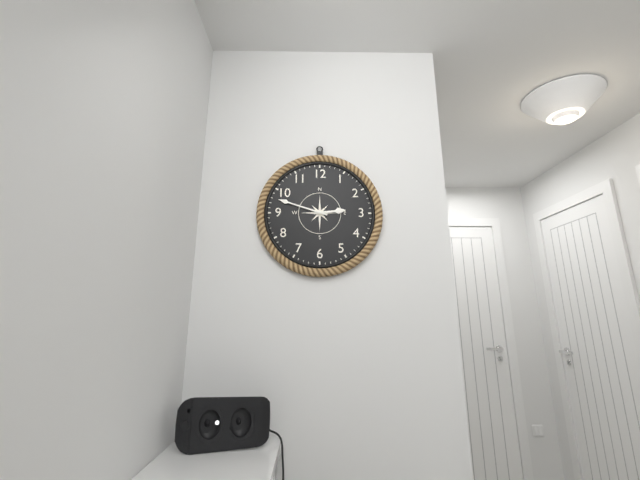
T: 2 h 48 min
